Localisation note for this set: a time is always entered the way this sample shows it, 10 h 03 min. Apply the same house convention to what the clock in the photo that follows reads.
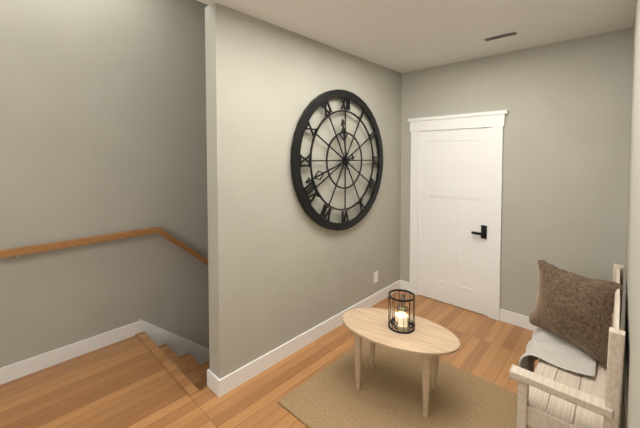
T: 11 h 42 min
